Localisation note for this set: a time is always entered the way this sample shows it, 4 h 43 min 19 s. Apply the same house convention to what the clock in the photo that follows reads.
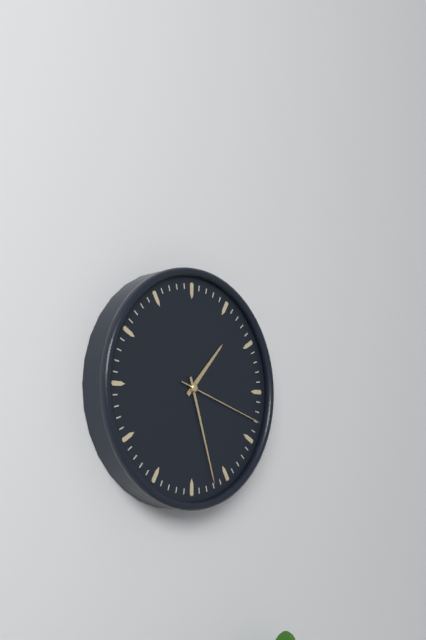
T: 1 h 27 min 18 s
